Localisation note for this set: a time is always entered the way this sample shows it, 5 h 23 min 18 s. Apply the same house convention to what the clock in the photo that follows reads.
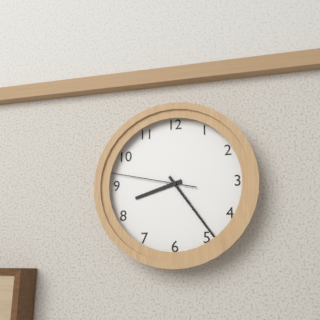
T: 8 h 24 min 47 s
